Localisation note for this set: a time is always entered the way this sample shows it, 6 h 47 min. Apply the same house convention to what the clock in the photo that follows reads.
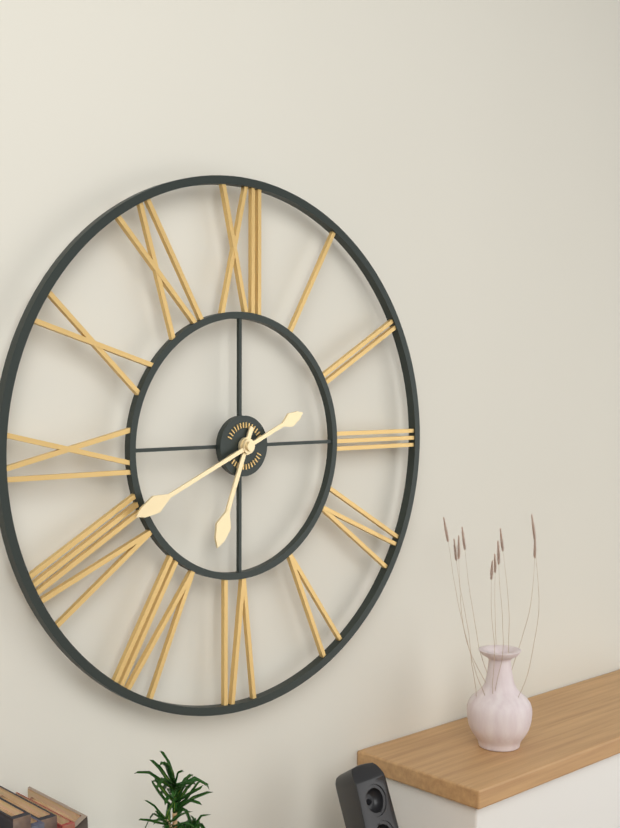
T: 6 h 41 min
